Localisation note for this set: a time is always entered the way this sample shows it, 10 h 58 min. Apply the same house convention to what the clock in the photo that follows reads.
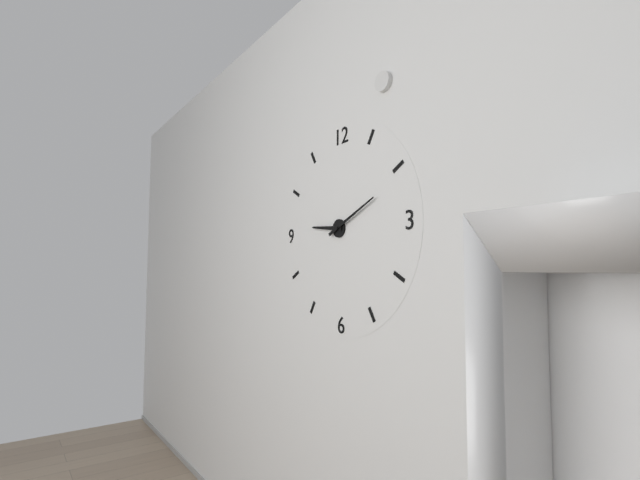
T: 9 h 11 min
